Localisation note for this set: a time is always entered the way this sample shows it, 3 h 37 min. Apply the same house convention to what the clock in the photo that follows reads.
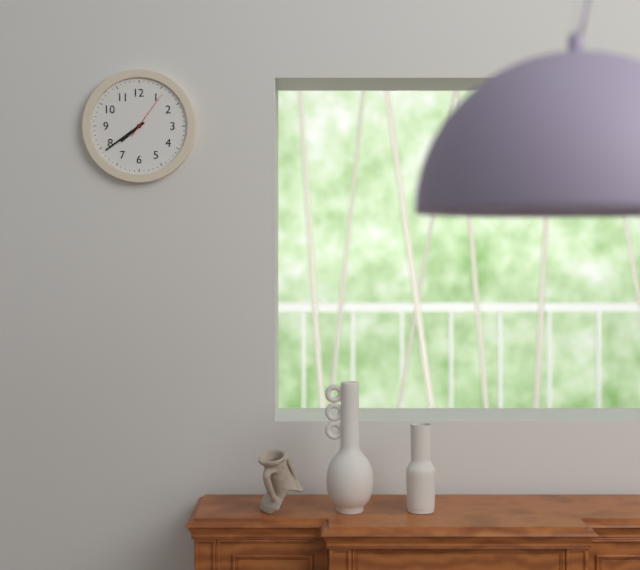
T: 7 h 39 min
